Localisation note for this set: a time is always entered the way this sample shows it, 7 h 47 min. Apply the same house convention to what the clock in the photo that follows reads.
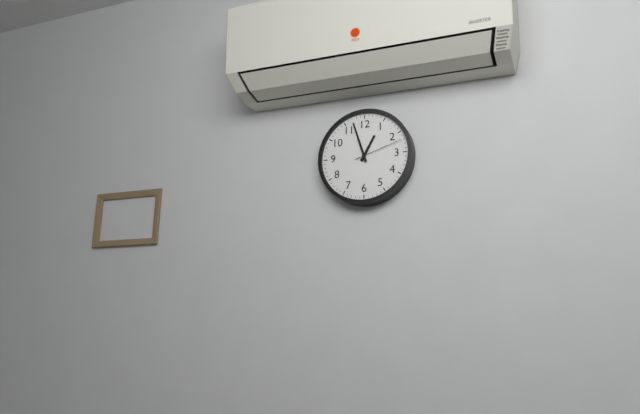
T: 12 h 57 min
